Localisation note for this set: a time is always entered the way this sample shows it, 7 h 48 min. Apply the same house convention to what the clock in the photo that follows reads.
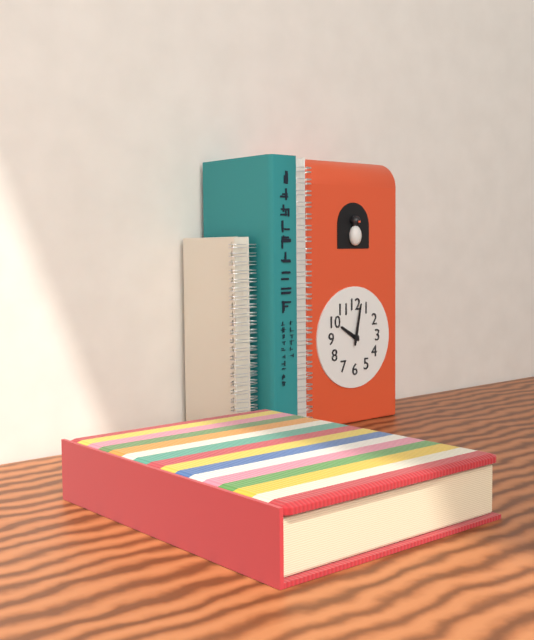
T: 10 h 02 min
